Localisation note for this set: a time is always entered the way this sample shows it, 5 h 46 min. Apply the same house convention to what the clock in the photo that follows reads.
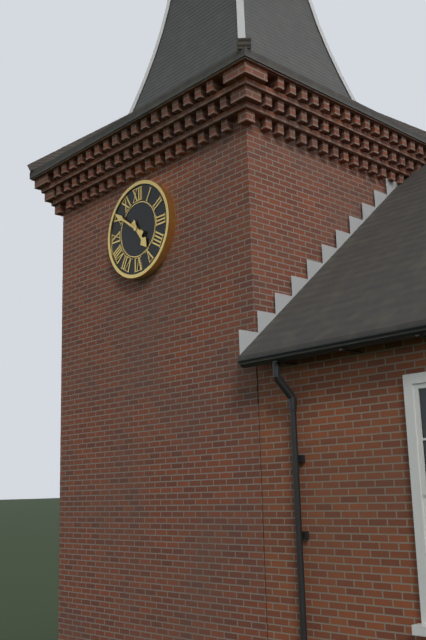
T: 4 h 51 min
